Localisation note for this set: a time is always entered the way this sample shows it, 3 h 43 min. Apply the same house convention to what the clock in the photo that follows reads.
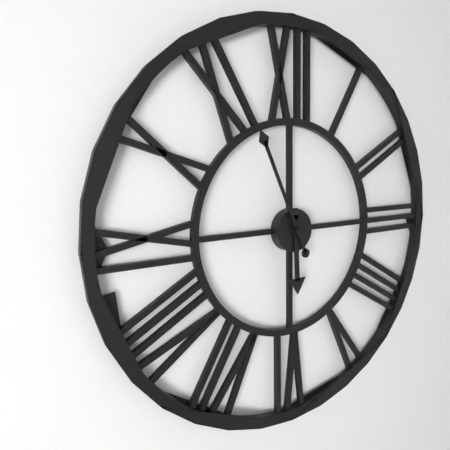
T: 5 h 56 min
